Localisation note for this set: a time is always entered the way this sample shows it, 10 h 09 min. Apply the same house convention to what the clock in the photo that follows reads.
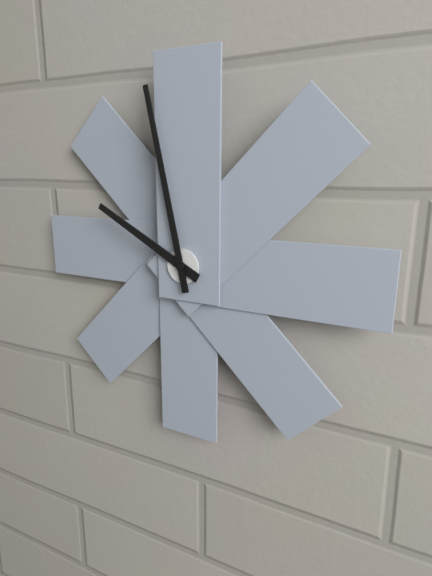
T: 9 h 58 min
